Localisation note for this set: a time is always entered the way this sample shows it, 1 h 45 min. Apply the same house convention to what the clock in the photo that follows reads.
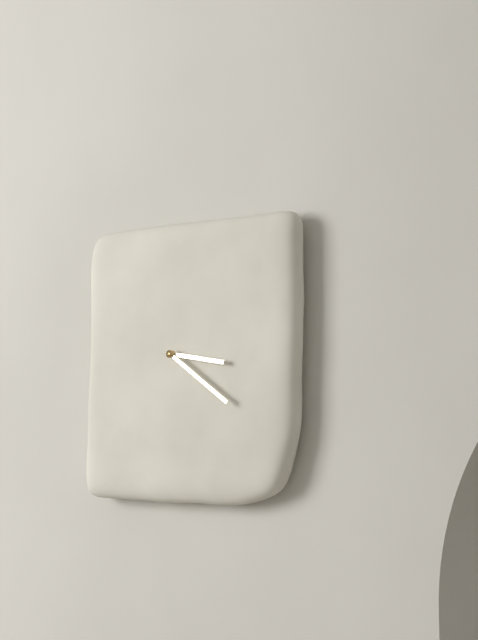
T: 3 h 21 min
